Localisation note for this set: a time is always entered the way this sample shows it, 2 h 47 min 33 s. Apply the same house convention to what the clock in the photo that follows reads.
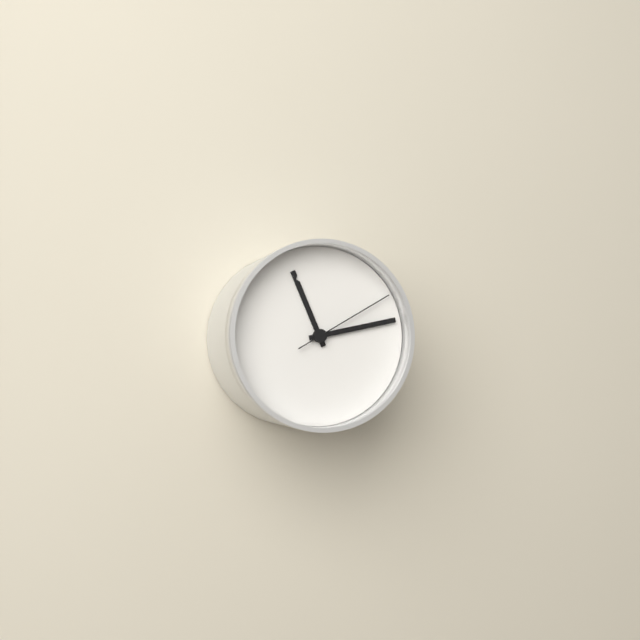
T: 11 h 13 min 10 s
